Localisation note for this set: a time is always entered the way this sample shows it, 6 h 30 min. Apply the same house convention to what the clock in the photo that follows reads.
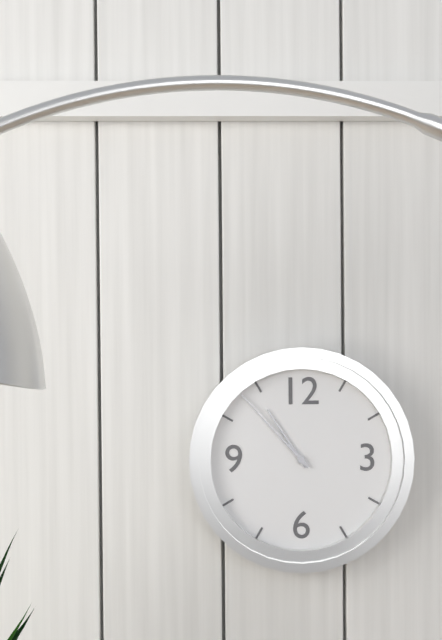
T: 10 h 53 min
